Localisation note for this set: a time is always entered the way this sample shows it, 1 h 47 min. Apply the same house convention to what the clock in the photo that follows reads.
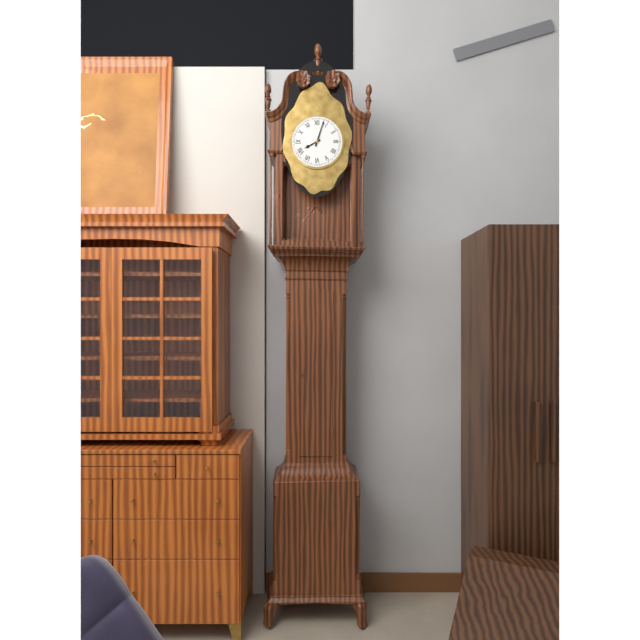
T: 8 h 03 min
